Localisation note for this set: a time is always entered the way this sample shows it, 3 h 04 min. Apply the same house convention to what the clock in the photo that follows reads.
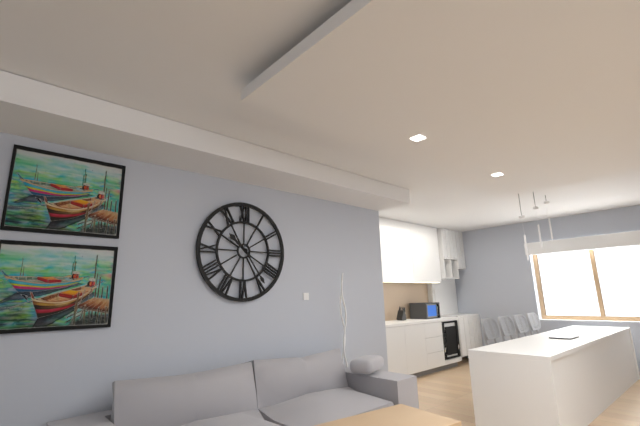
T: 10 h 24 min
